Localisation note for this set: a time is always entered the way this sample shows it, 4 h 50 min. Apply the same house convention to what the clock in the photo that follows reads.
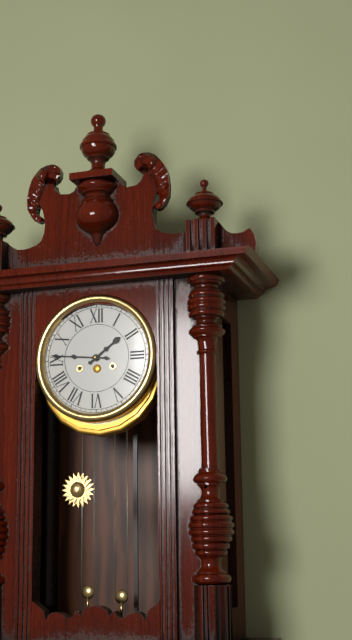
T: 1 h 46 min
